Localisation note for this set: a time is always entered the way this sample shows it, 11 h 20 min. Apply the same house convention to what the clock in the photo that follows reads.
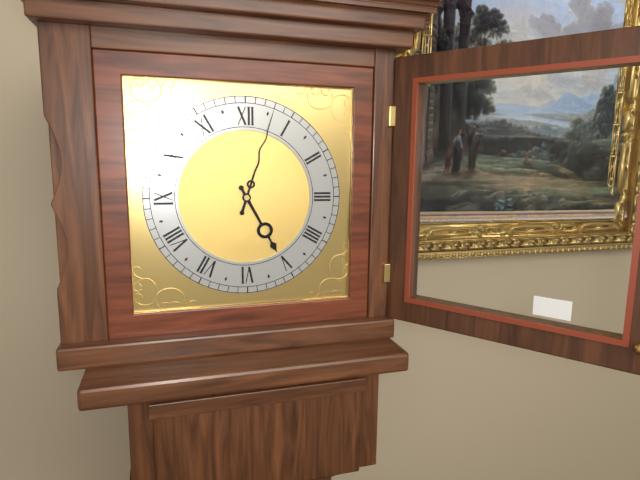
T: 5 h 03 min
